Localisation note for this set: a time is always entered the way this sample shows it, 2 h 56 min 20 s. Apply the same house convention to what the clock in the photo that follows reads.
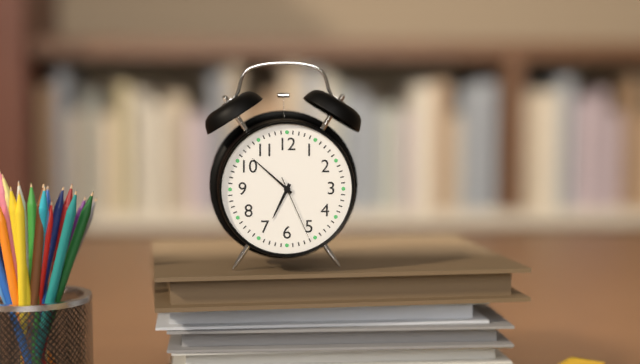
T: 6 h 52 min 26 s
